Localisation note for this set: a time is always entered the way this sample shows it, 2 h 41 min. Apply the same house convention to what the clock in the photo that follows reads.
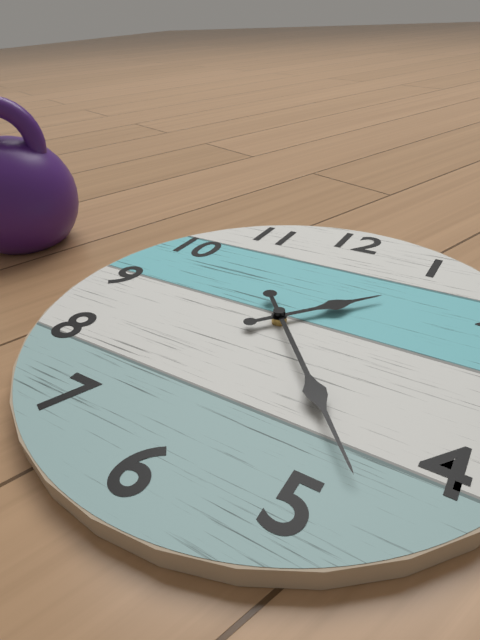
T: 1 h 23 min
